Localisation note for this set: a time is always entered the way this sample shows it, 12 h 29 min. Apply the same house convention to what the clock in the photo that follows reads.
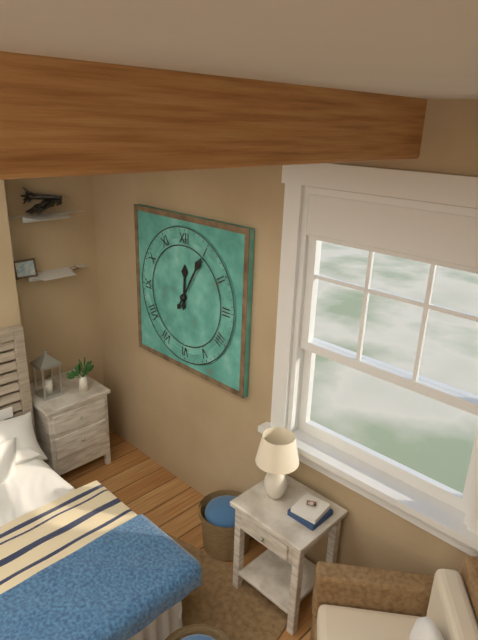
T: 12 h 05 min
